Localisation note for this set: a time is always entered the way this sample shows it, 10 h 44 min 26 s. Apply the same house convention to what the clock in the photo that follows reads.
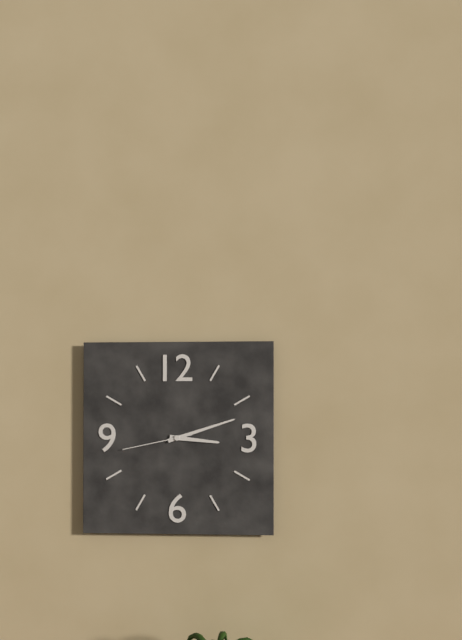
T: 3 h 12 min 43 s
